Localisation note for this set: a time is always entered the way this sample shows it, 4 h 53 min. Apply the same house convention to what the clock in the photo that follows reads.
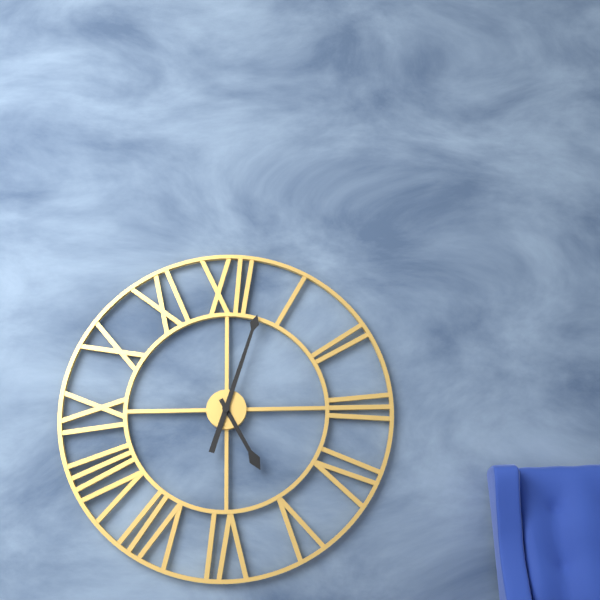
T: 5 h 03 min
